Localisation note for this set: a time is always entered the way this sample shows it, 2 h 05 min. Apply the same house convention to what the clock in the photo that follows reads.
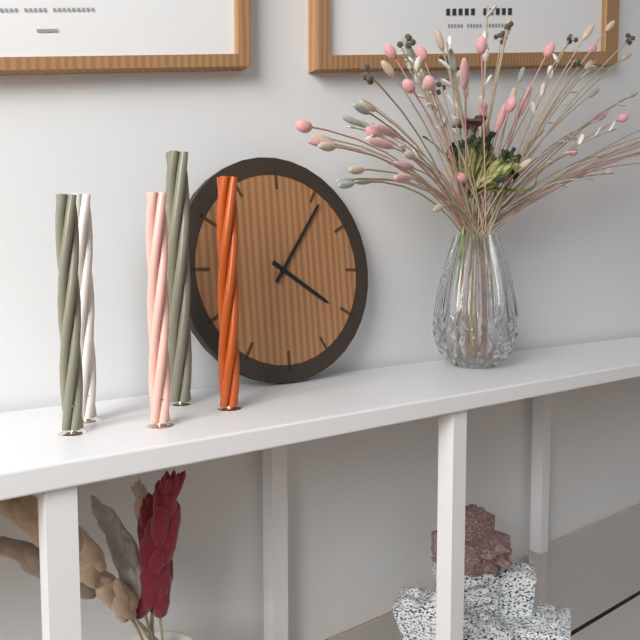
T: 4 h 06 min
